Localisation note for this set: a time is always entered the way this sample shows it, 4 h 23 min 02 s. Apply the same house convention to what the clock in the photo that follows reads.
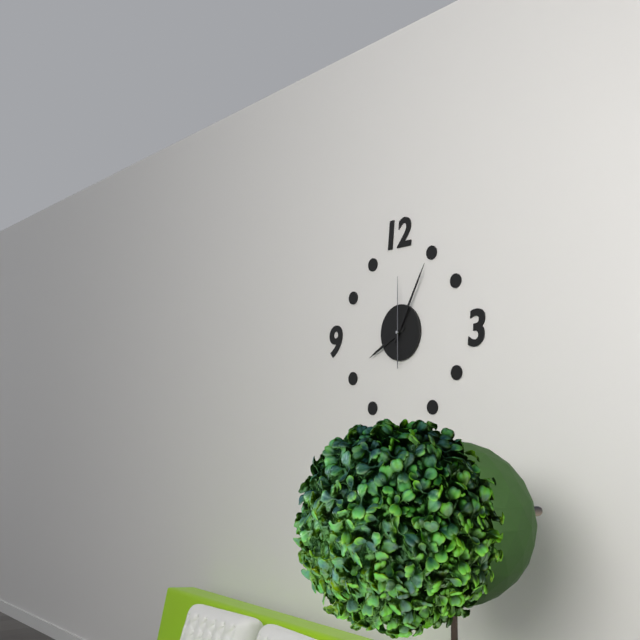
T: 8 h 05 min 00 s
